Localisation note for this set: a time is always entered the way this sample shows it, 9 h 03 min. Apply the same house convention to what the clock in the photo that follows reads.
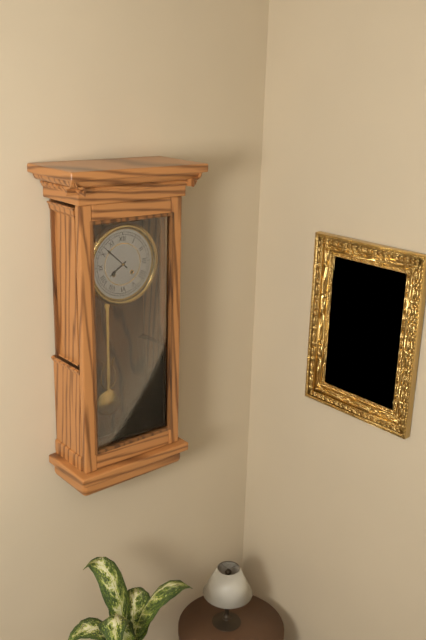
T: 7 h 52 min
